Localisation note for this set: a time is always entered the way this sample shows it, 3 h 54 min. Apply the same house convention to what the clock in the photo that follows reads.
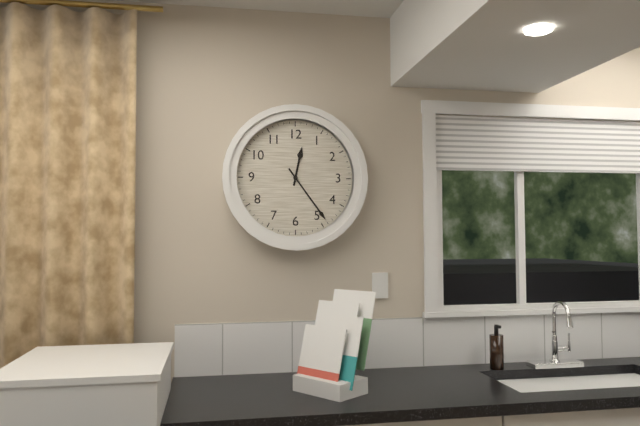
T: 12 h 24 min
